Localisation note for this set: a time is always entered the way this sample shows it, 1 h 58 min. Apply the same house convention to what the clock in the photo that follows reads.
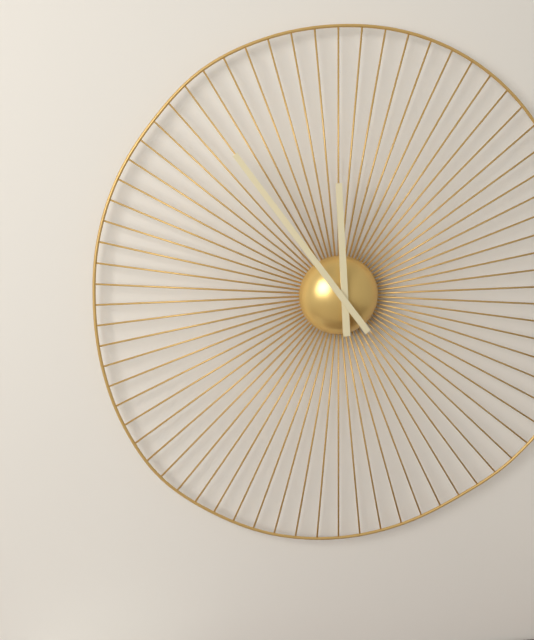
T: 11 h 54 min
